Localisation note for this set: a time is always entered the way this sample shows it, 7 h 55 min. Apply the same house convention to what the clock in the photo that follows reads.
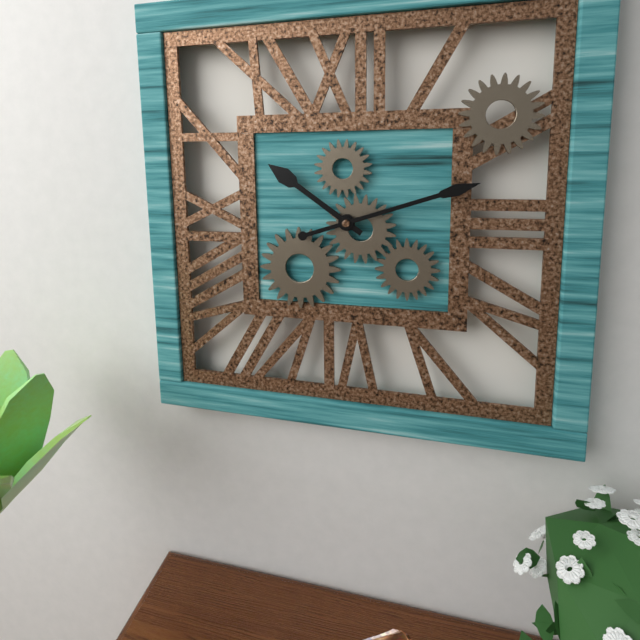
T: 10 h 12 min
